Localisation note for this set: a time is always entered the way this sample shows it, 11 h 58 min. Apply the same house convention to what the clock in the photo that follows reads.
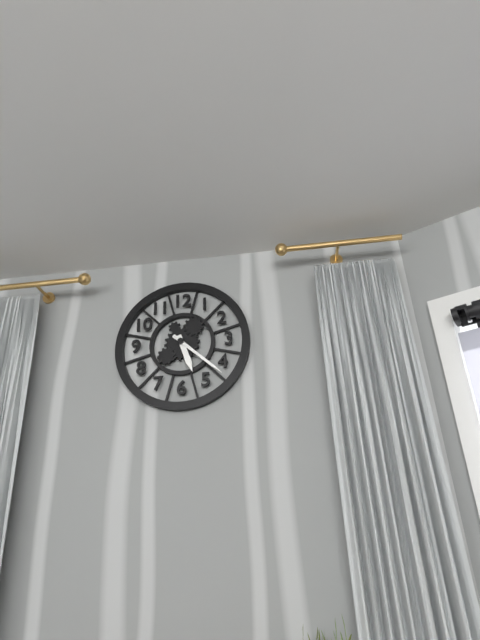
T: 5 h 22 min
